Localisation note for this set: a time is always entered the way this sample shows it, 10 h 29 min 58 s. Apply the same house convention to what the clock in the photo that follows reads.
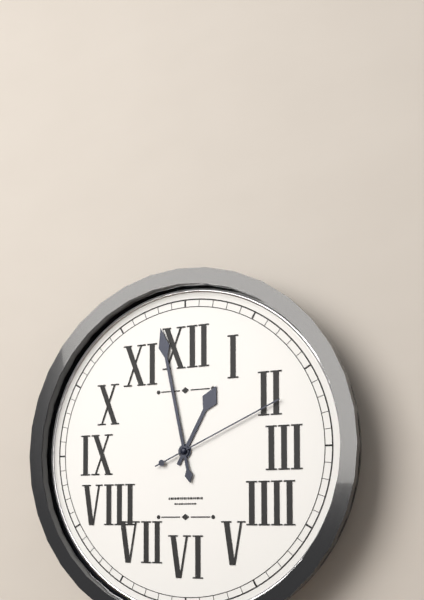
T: 12 h 58 min 11 s
